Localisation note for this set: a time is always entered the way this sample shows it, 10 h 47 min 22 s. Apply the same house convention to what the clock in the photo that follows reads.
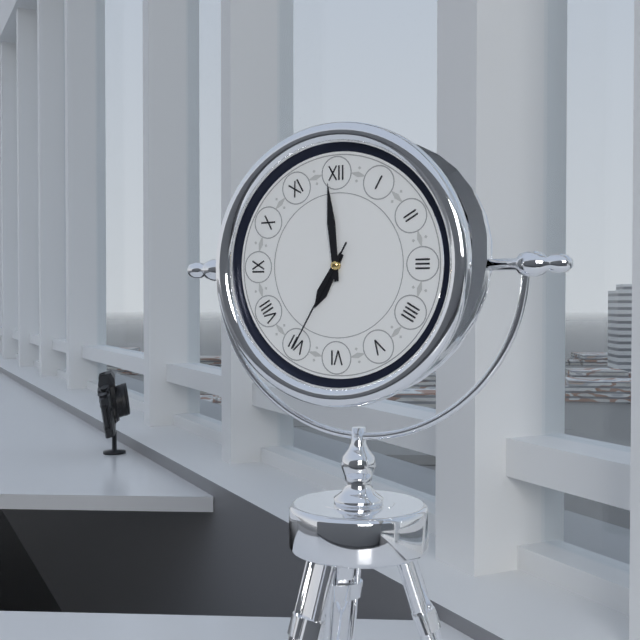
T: 6 h 59 min 35 s
